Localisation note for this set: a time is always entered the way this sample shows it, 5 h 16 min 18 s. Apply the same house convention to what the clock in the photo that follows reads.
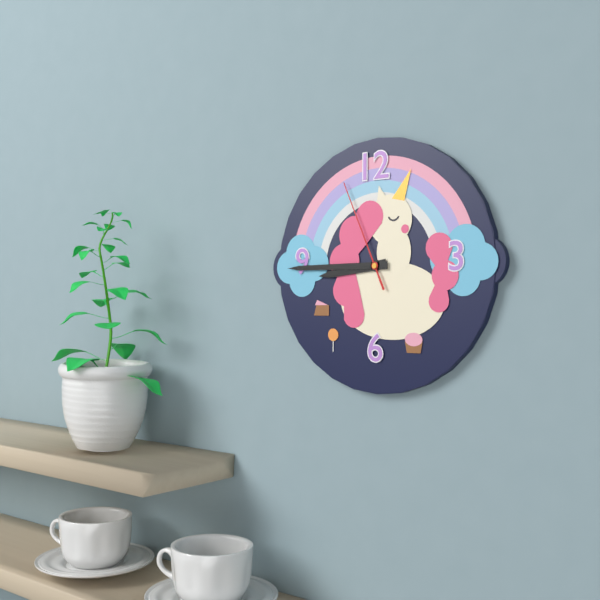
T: 8 h 45 min 56 s
